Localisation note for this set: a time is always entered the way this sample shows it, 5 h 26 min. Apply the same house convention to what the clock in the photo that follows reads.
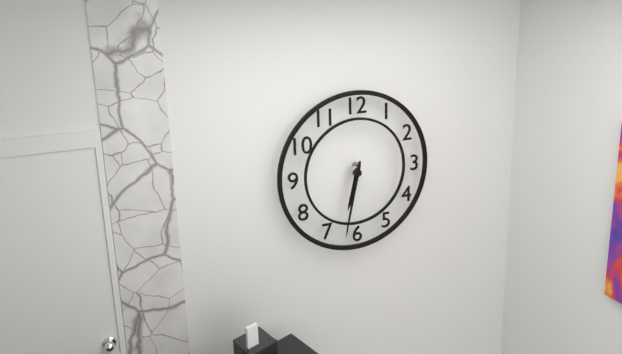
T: 6 h 32 min
